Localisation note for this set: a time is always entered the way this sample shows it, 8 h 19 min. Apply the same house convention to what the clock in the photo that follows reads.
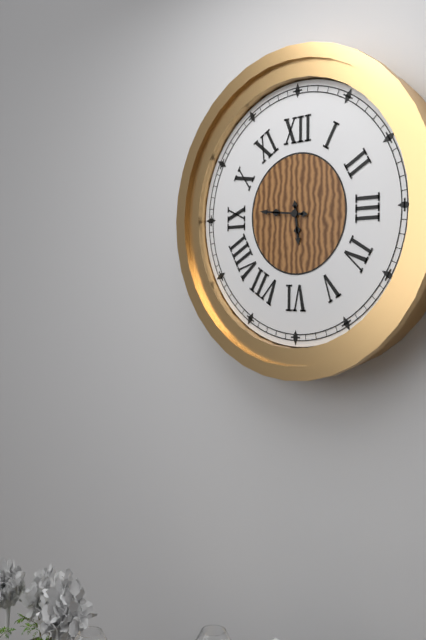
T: 5 h 46 min
